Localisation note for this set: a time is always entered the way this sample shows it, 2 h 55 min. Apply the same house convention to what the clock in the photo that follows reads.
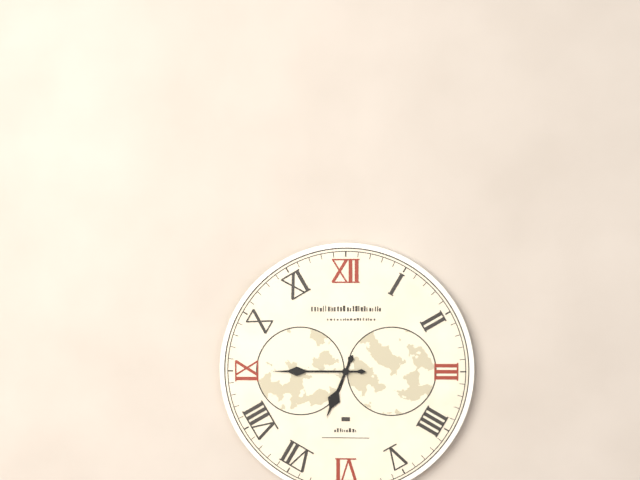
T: 6 h 45 min
